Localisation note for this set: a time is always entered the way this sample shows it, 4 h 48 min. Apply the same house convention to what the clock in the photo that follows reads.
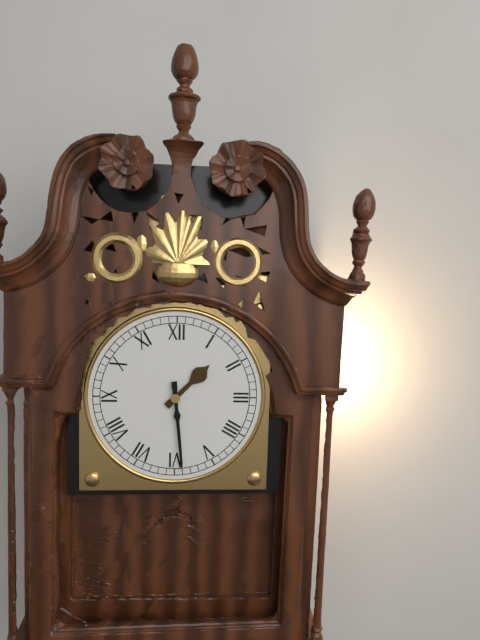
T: 1 h 29 min
